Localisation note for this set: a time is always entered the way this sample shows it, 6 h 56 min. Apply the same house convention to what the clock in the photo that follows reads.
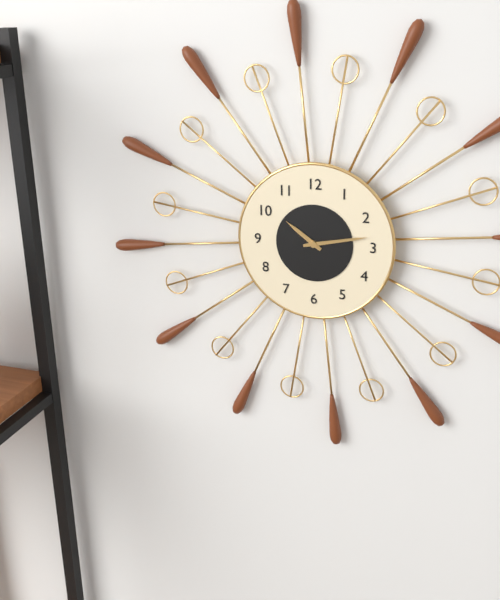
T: 10 h 13 min
